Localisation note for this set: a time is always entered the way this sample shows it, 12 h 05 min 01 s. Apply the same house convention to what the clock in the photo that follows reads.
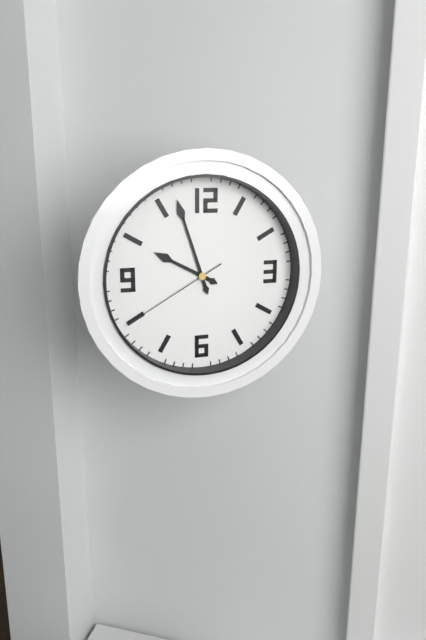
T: 9 h 57 min 40 s
